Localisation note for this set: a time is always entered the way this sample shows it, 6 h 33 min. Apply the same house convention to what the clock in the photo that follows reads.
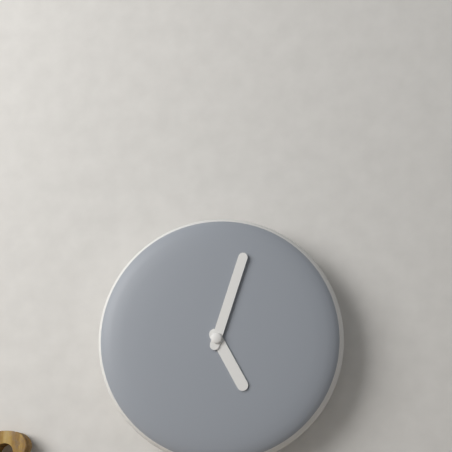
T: 5 h 03 min
